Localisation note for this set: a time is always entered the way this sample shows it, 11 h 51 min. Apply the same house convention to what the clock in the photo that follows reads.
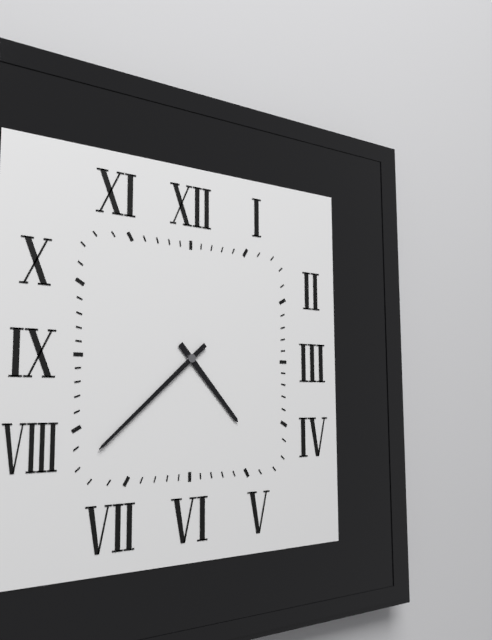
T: 4 h 38 min
